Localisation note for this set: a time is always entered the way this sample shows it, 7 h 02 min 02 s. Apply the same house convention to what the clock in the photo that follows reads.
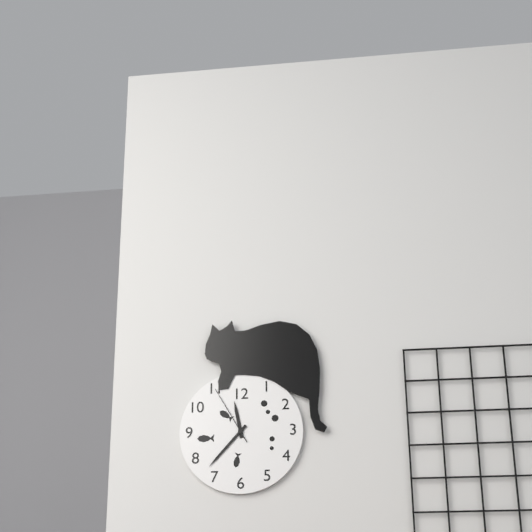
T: 11 h 37 min 55 s
